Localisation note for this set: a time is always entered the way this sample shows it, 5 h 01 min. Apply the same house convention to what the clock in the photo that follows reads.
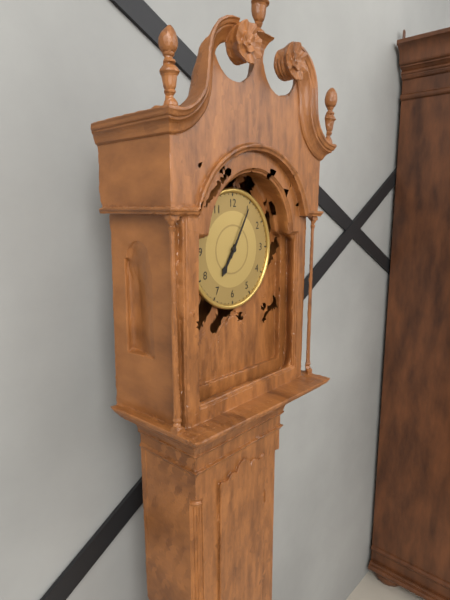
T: 7 h 05 min
